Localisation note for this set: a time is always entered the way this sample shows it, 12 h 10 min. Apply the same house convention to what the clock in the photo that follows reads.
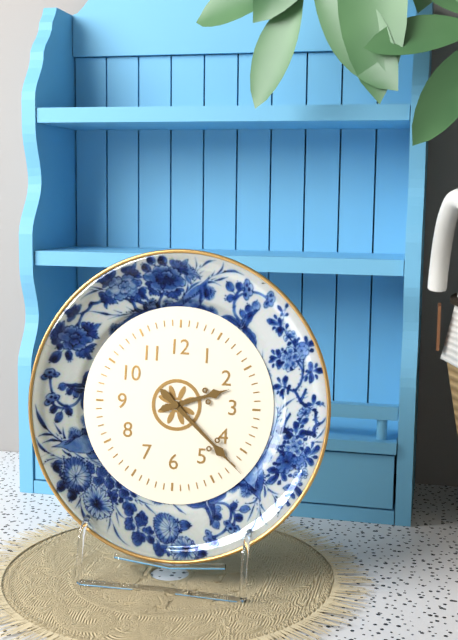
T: 2 h 22 min
